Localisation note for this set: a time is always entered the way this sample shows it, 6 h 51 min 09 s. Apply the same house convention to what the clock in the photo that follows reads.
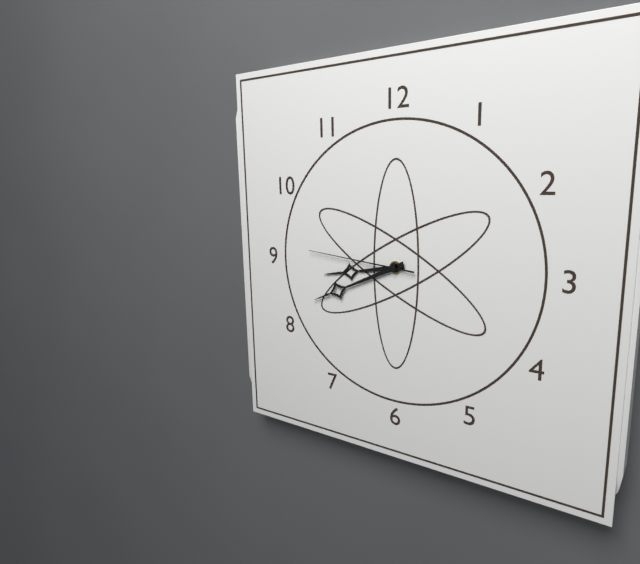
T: 8 h 41 min 46 s
